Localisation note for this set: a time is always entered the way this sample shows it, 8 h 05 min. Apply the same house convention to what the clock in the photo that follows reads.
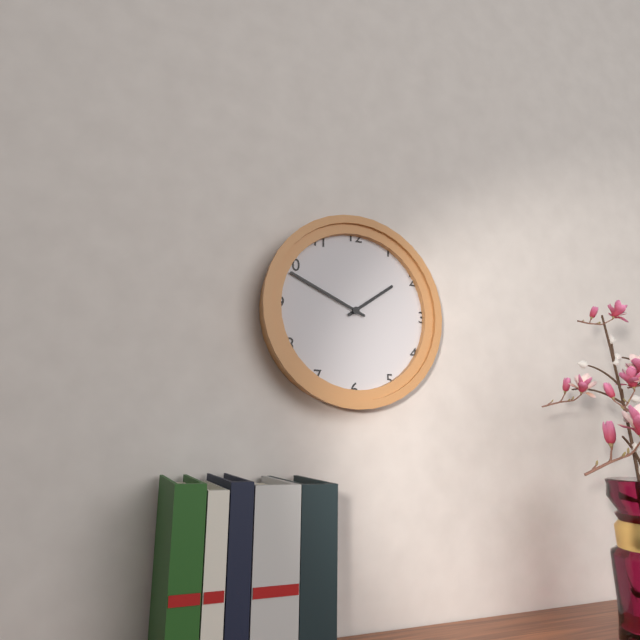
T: 1 h 49 min
